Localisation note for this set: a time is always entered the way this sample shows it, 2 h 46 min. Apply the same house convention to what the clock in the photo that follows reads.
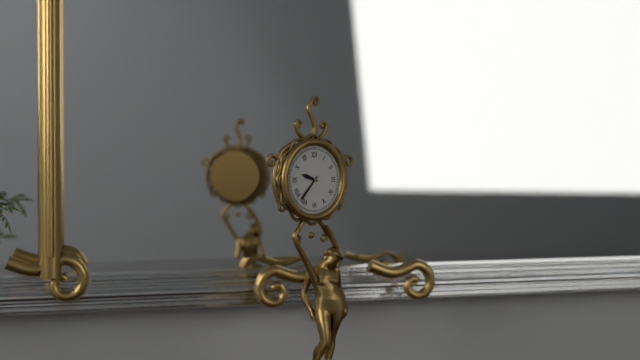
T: 9 h 37 min
